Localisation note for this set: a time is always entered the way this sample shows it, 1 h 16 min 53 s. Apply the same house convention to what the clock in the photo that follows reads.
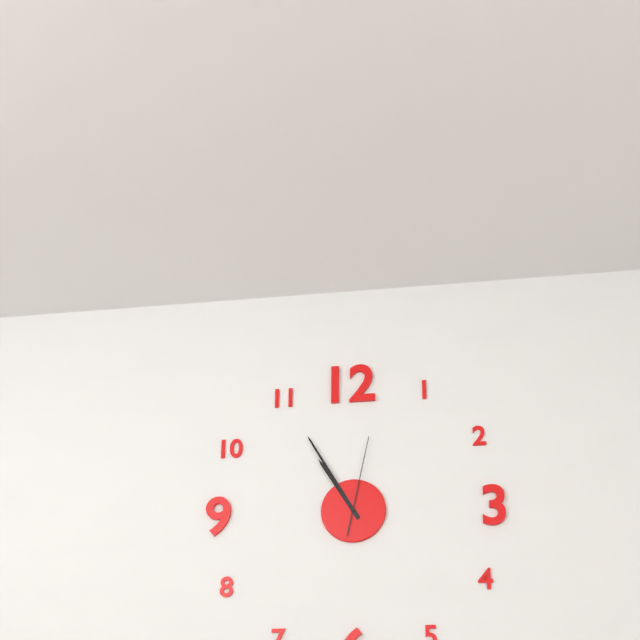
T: 10 h 55 min 02 s
